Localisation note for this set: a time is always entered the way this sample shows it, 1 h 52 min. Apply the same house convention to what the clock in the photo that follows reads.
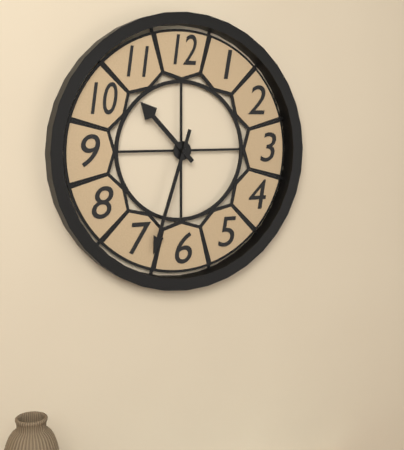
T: 10 h 33 min
